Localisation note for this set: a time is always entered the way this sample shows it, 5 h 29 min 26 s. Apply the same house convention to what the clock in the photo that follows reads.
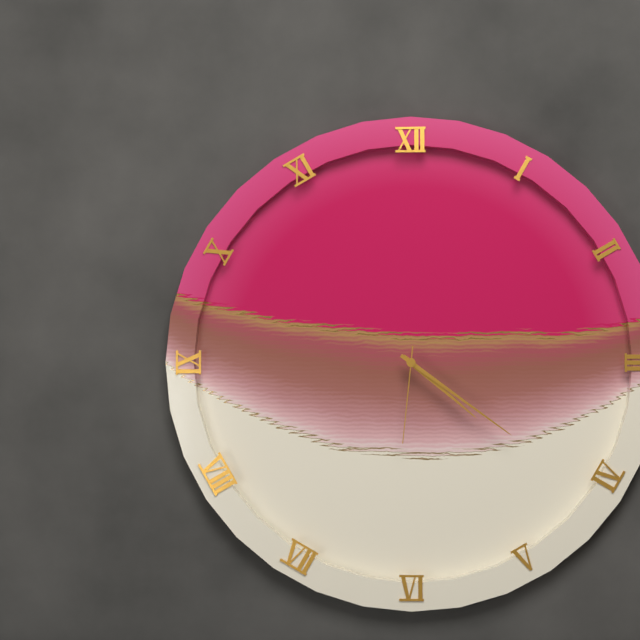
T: 4 h 21 min 31 s
